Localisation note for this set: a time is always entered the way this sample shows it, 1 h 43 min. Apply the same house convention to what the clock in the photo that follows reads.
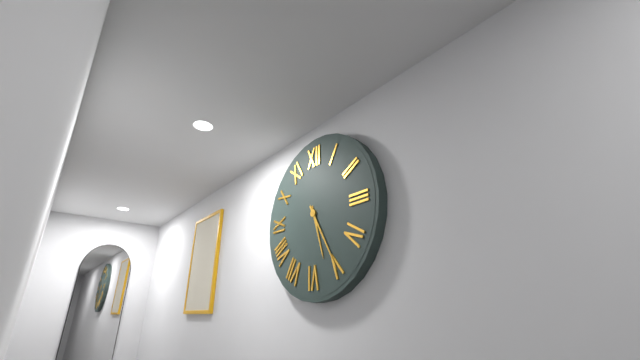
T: 5 h 25 min
